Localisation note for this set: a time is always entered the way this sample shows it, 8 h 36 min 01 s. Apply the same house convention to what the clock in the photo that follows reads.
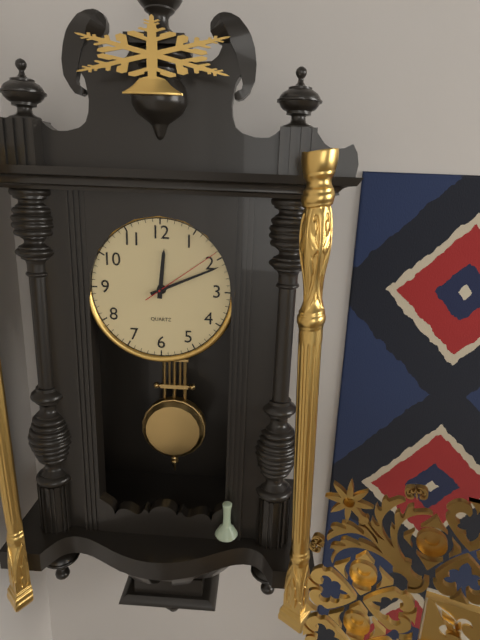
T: 12 h 11 min 09 s
